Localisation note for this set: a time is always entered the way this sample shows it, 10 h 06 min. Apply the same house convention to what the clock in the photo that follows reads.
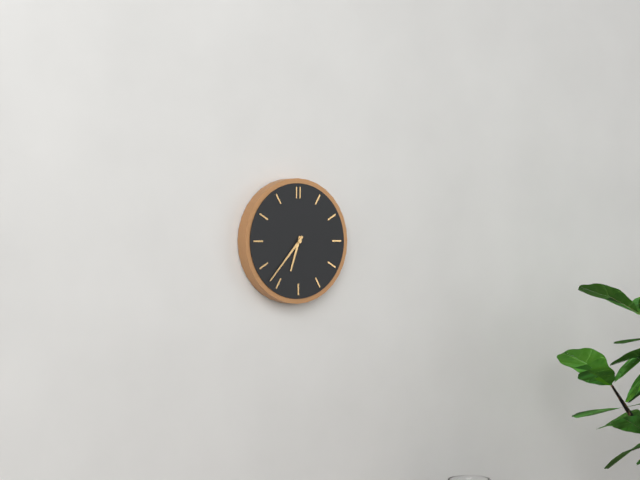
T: 6 h 37 min
